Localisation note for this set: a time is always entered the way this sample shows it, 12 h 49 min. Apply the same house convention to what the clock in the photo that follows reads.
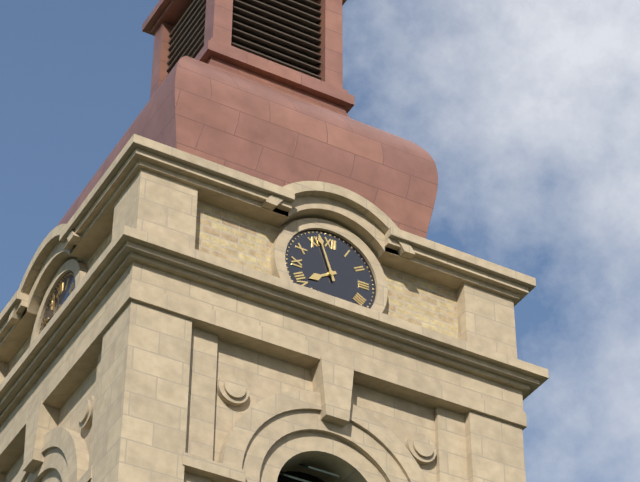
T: 7 h 57 min
